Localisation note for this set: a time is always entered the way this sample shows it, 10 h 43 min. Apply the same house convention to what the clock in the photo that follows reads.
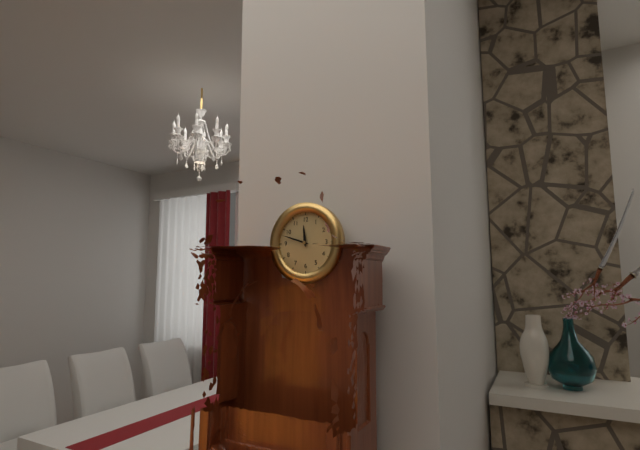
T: 11 h 48 min
